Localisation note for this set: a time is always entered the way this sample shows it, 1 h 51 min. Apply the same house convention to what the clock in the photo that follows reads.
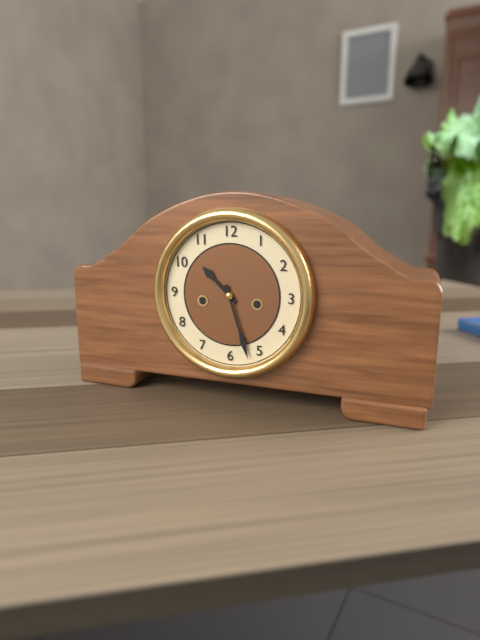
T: 10 h 27 min
